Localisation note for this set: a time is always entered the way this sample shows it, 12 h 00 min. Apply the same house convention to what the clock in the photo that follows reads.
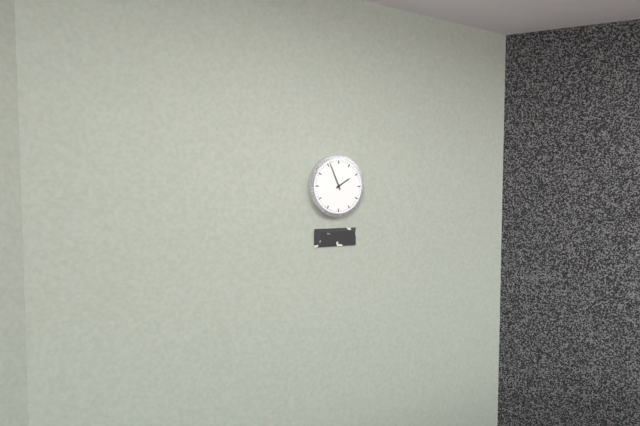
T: 1 h 56 min
